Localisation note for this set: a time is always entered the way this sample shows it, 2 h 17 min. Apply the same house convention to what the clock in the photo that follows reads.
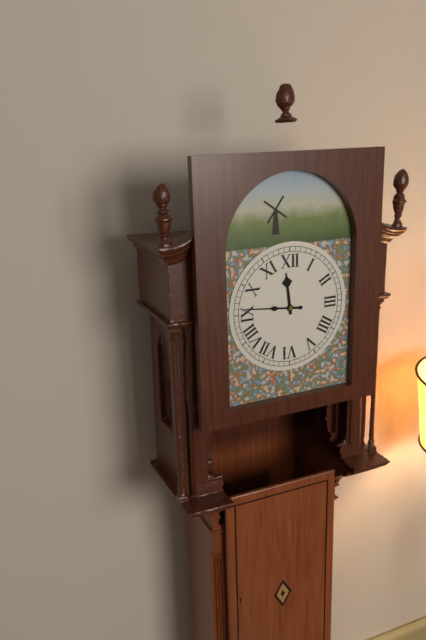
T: 11 h 46 min
